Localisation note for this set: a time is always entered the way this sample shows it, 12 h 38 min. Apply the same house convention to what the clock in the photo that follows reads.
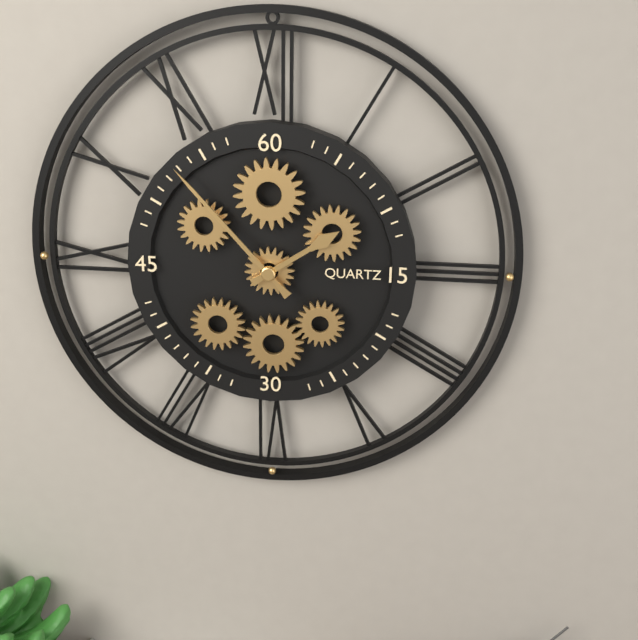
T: 1 h 53 min
